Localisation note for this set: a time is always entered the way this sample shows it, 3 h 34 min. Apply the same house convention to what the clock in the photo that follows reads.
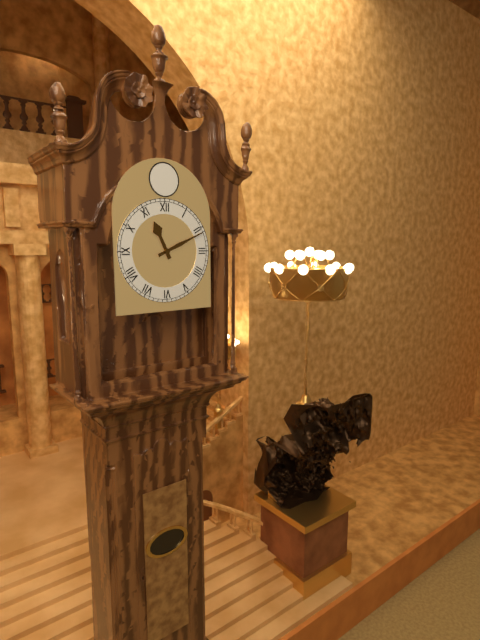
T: 11 h 11 min
